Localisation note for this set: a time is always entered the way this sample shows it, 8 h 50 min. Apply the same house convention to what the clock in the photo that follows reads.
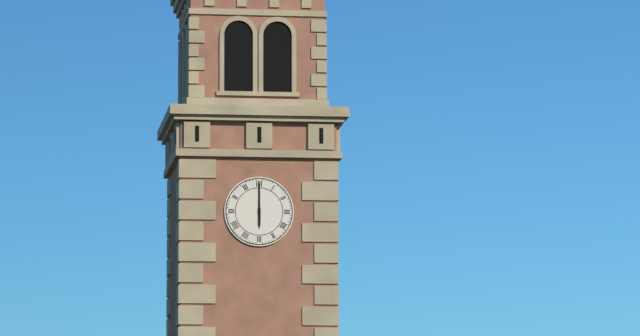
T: 6 h 00 min
